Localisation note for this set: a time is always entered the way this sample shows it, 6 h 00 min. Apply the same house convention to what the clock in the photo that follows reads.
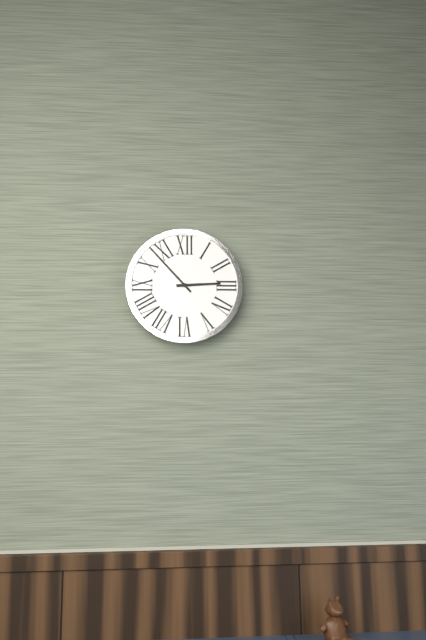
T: 2 h 53 min
